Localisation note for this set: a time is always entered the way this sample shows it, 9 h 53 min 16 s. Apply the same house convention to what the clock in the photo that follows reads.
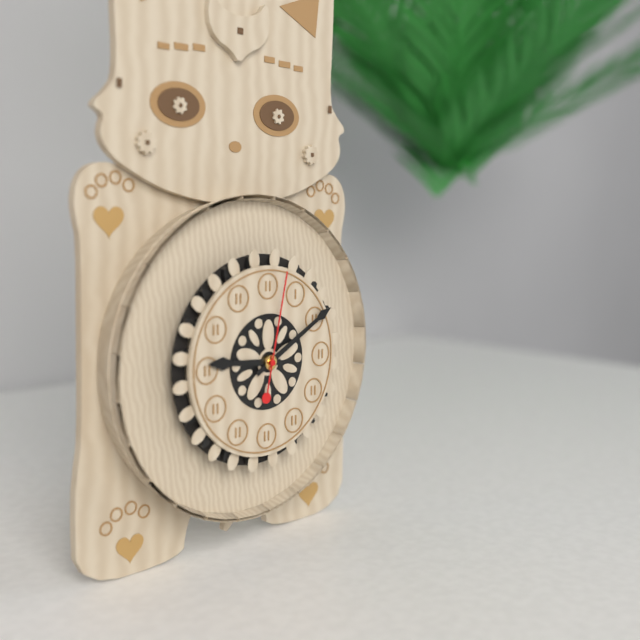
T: 9 h 10 min 02 s
